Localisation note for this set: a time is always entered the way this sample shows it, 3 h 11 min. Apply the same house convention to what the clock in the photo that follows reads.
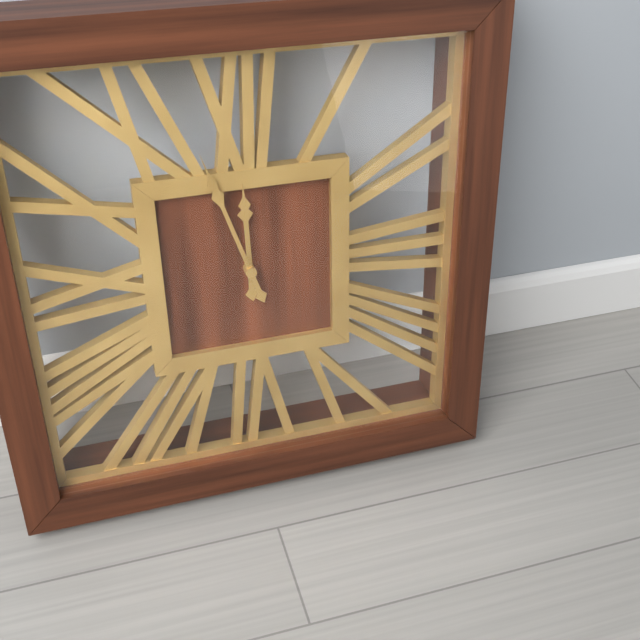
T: 11 h 57 min
